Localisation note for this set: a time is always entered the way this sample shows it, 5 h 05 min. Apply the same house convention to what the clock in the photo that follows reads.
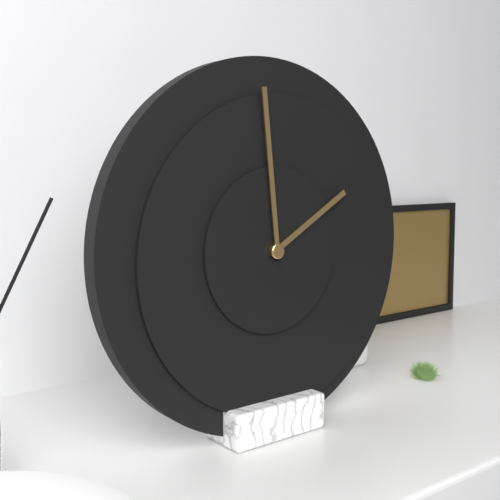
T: 1 h 59 min
